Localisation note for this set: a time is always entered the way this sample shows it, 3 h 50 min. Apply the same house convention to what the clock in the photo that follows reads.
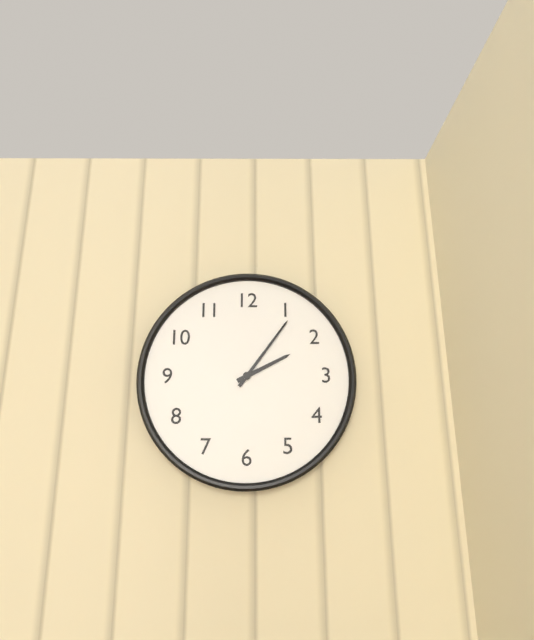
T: 2 h 06 min
